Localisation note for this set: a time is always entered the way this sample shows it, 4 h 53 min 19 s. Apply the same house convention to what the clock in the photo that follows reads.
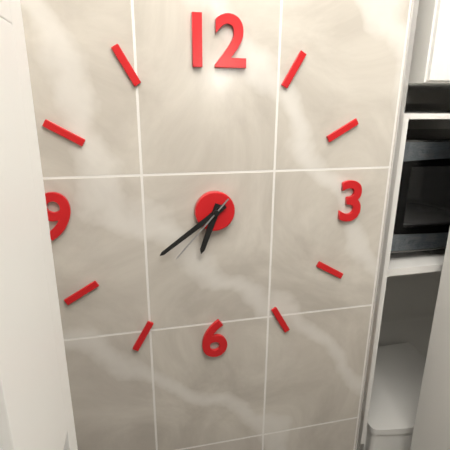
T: 6 h 39 min 37 s
